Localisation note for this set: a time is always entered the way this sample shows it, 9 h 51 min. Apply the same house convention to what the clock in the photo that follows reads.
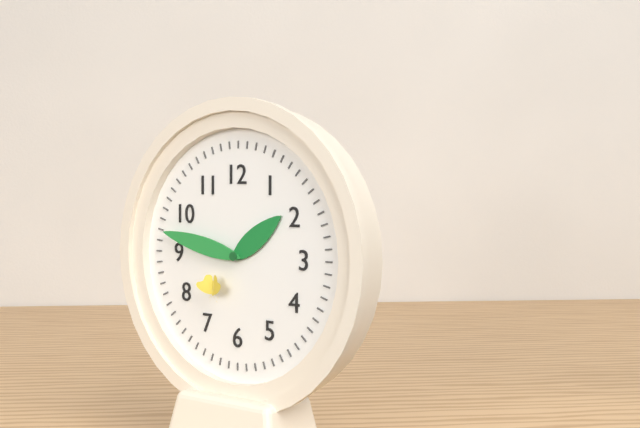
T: 1 h 47 min
